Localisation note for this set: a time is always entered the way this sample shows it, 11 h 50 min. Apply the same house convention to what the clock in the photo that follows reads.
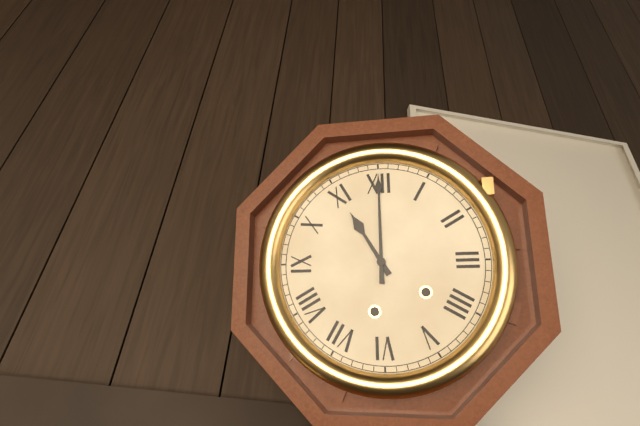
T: 11 h 00 min
